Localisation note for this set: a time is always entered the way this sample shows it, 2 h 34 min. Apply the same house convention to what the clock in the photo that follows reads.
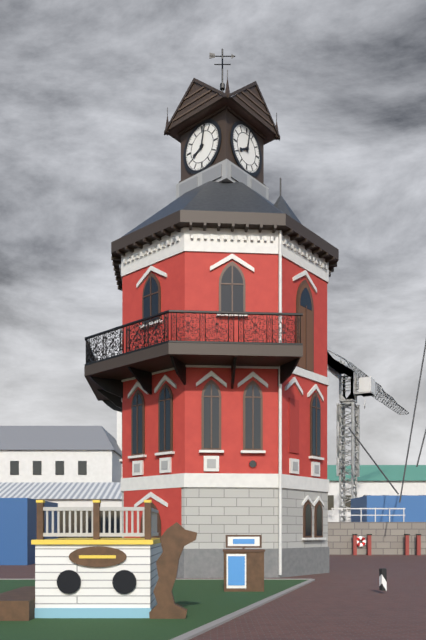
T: 8 h 02 min
